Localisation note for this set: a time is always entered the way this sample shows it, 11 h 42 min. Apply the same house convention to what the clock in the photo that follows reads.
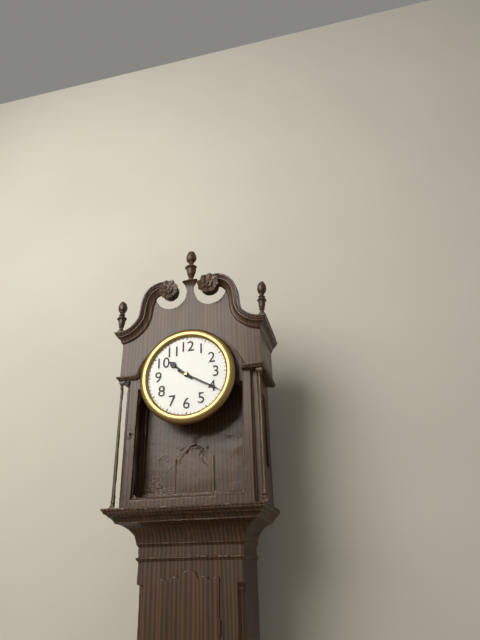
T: 10 h 20 min
